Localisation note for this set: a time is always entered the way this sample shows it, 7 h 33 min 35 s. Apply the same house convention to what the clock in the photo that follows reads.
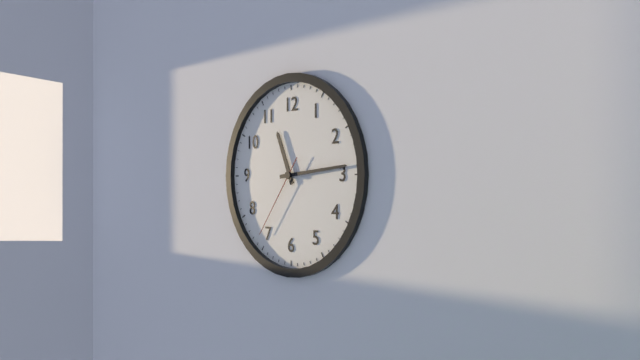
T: 11 h 14 min 36 s
